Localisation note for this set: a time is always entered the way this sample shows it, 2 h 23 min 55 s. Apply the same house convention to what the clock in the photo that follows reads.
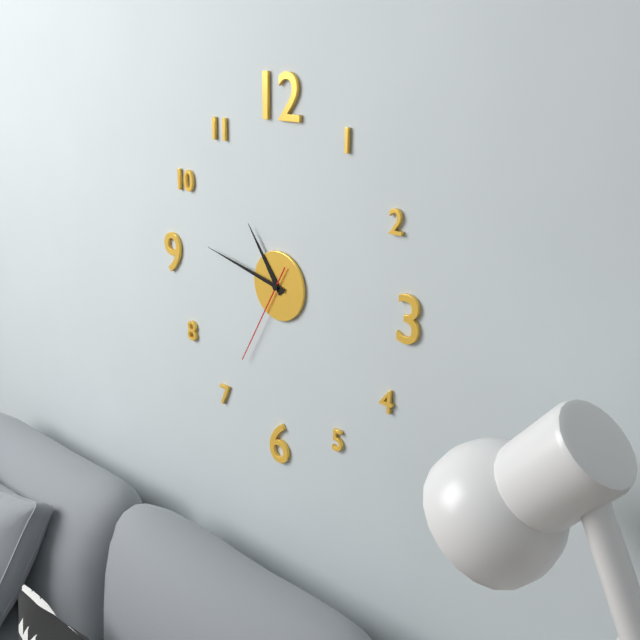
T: 10 h 47 min 35 s
